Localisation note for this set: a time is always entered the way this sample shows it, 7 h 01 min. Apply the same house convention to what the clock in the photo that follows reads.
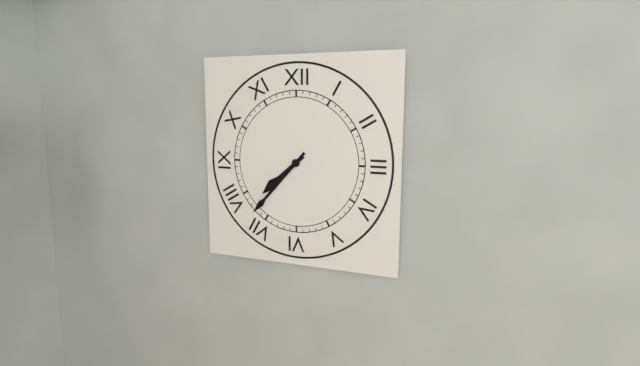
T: 7 h 37 min
